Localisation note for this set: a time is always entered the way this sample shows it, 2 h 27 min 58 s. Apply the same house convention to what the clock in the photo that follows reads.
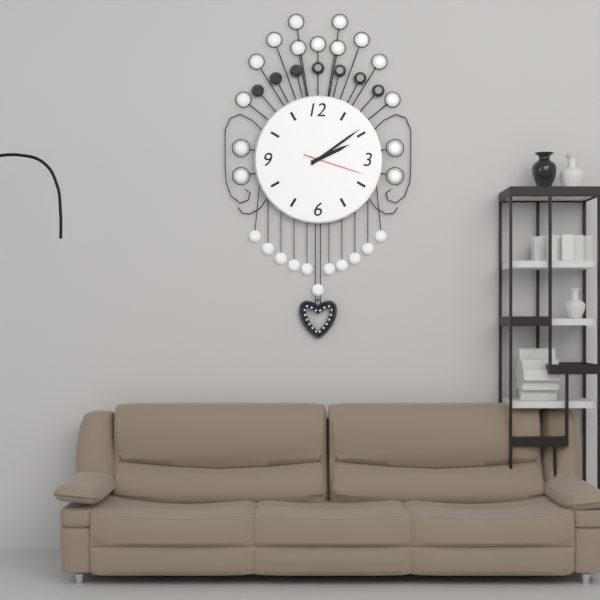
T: 2 h 09 min 18 s
